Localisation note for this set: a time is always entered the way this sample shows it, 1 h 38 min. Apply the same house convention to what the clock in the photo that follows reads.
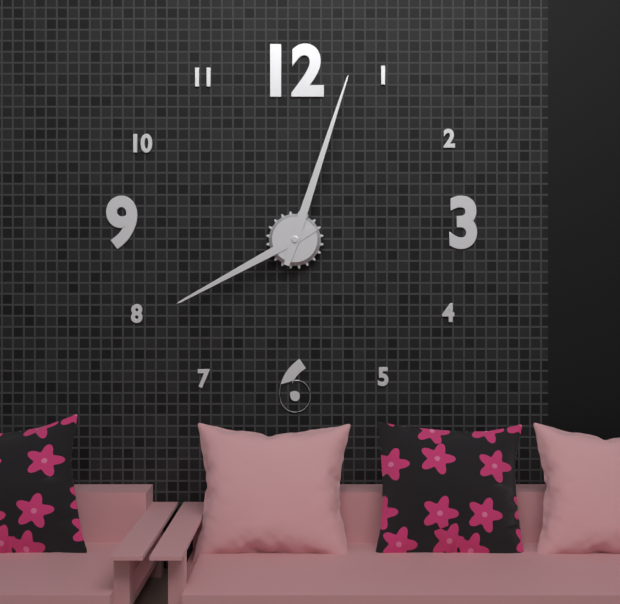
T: 8 h 03 min
